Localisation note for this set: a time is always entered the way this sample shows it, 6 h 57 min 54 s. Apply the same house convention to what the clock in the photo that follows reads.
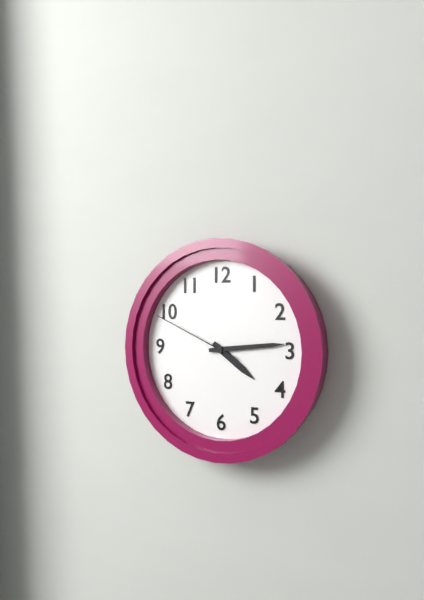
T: 4 h 14 min 49 s
